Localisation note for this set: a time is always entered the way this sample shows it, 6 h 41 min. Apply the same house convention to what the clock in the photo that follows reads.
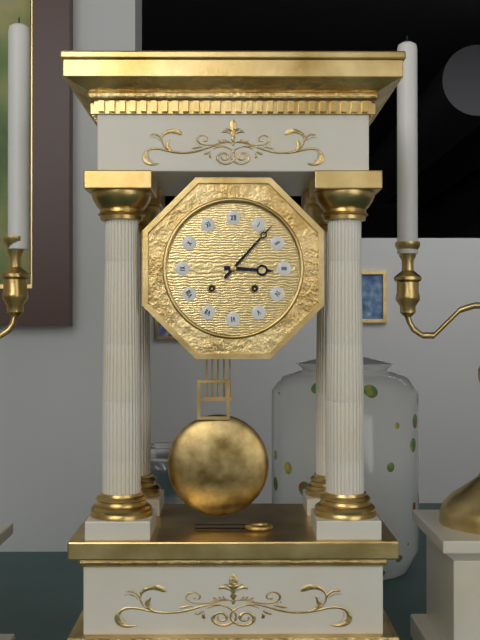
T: 3 h 07 min
